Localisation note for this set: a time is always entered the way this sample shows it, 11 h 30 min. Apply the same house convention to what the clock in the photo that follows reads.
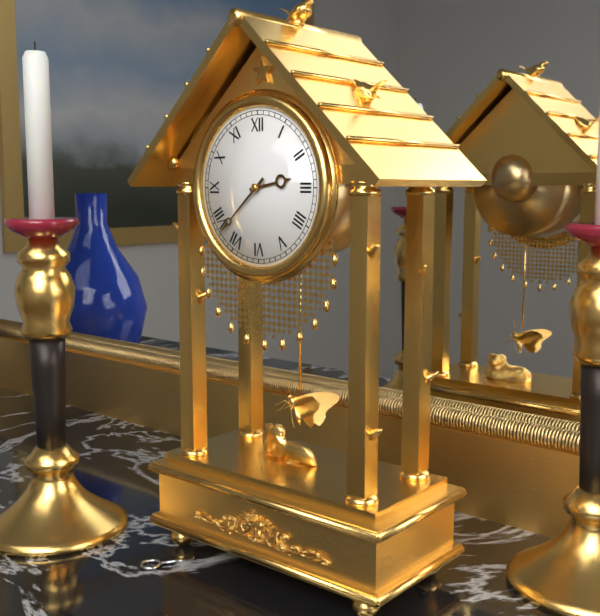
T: 2 h 38 min
